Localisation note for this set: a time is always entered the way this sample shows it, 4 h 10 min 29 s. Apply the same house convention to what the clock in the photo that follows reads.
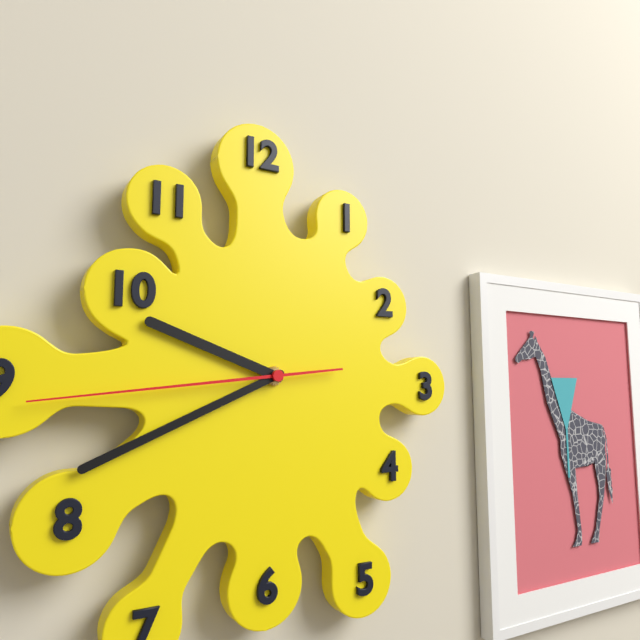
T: 9 h 41 min 44 s
